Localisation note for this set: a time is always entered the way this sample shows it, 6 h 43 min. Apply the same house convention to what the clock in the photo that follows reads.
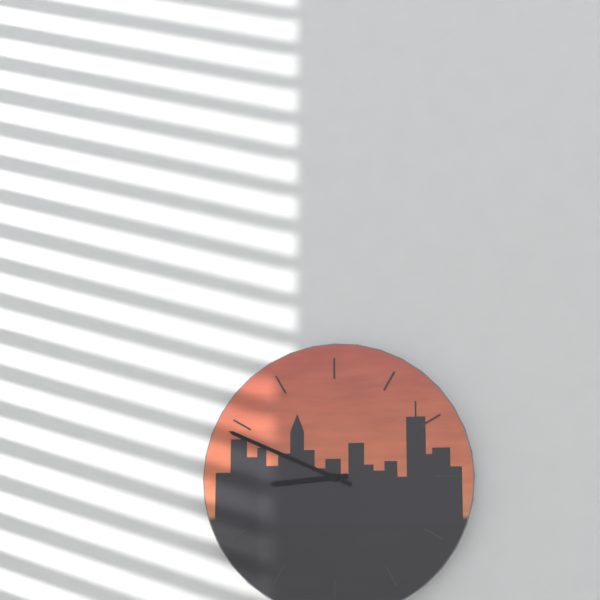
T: 8 h 49 min
